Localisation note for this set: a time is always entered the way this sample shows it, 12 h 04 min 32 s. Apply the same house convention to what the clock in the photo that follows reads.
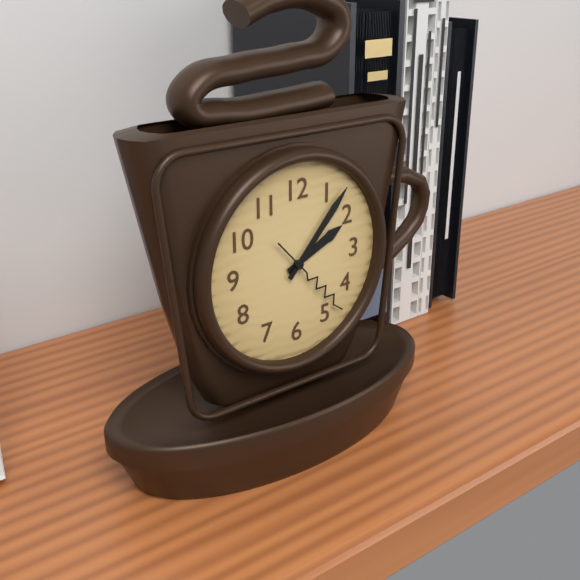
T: 2 h 07 min 23 s
